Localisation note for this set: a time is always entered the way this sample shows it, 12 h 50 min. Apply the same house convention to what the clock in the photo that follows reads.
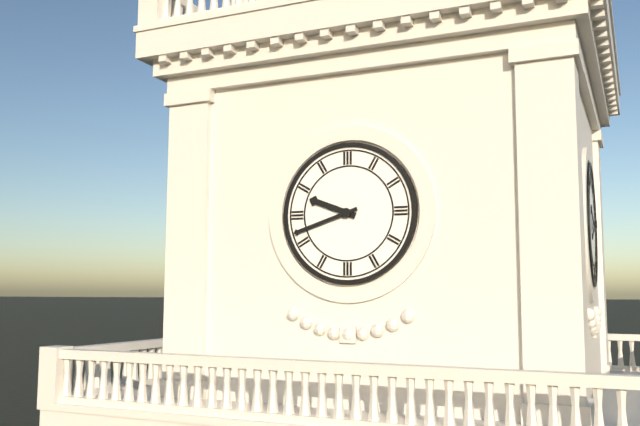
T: 9 h 42 min
